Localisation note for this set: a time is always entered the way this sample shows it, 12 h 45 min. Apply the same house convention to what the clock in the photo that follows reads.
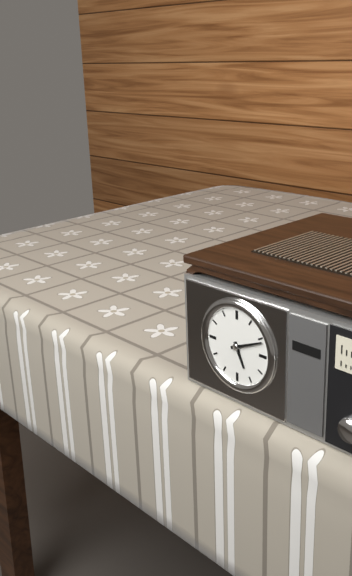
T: 5 h 11 min
